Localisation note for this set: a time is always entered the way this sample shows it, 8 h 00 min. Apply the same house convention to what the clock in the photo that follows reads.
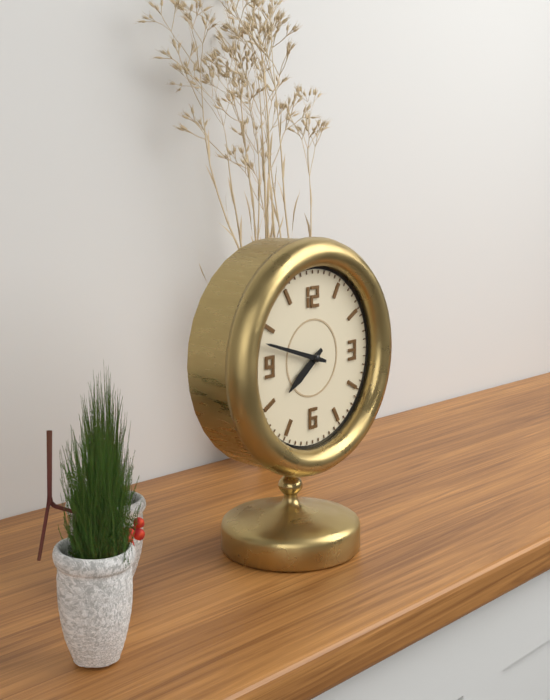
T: 7 h 48 min
